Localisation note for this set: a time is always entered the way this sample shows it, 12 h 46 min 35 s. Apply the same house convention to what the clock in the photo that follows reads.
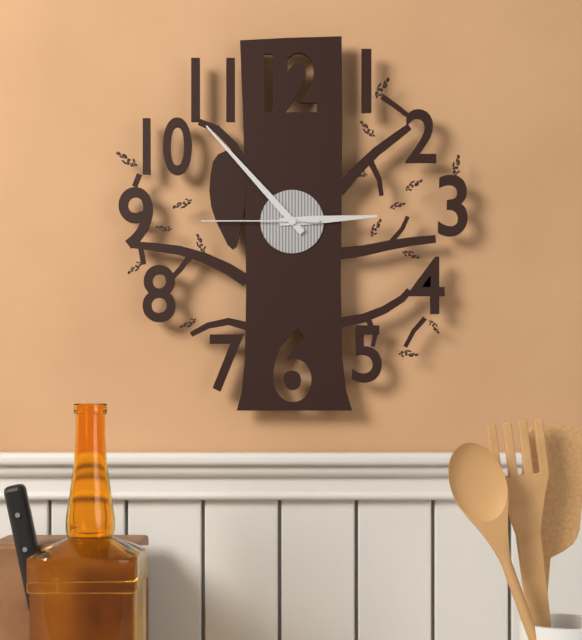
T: 2 h 53 min 45 s
